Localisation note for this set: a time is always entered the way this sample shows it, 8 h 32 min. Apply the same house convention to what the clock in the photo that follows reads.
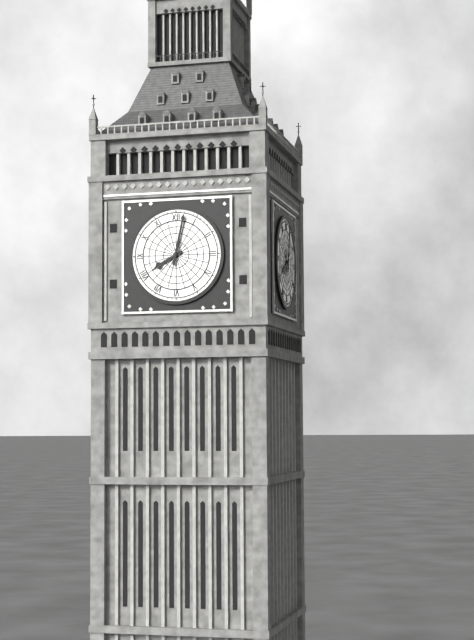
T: 8 h 02 min
